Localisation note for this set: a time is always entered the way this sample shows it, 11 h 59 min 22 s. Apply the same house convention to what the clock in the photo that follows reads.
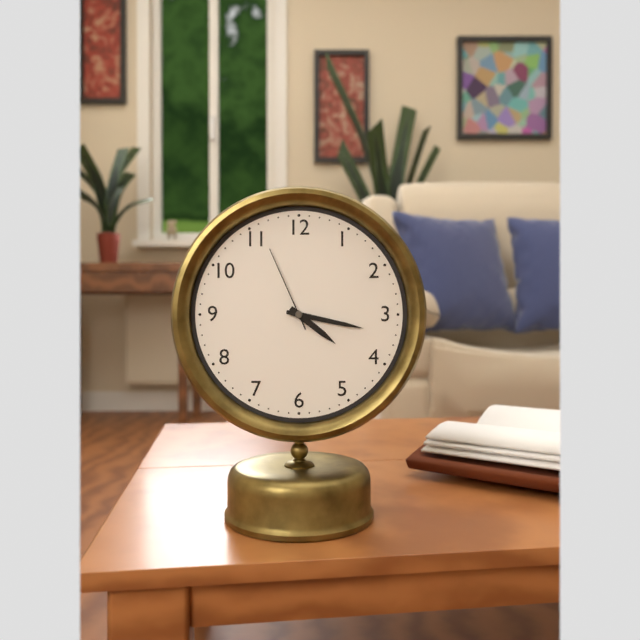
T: 4 h 17 min 56 s
